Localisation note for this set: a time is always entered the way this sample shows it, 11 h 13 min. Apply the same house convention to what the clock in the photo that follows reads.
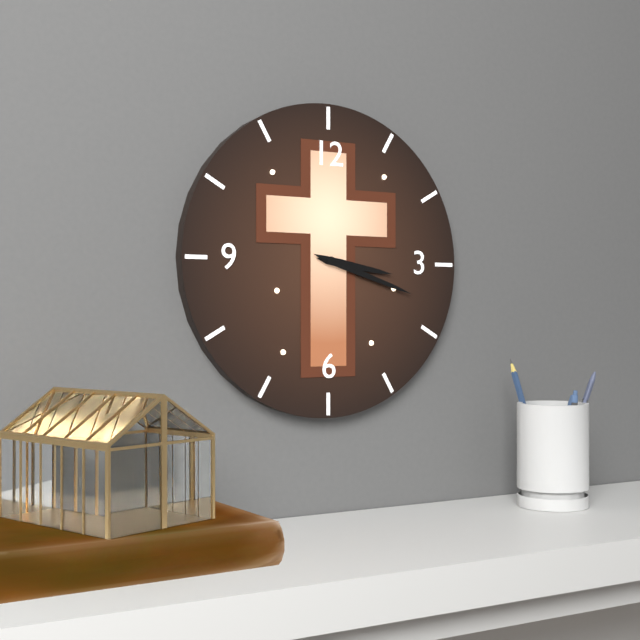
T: 3 h 18 min
